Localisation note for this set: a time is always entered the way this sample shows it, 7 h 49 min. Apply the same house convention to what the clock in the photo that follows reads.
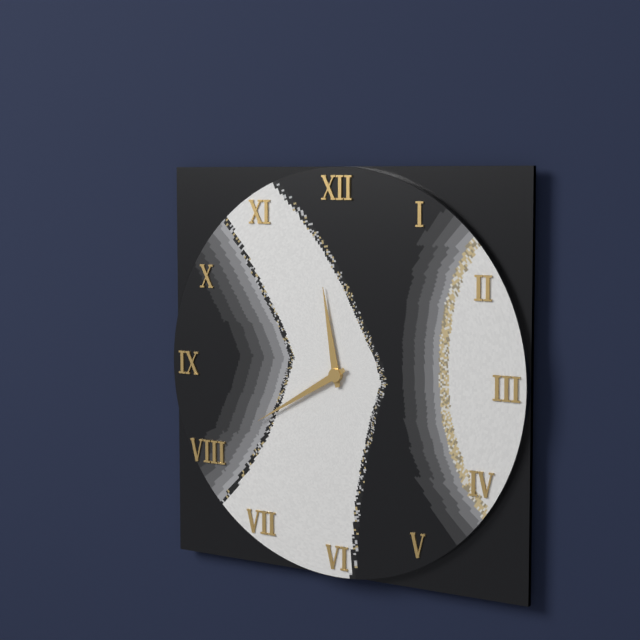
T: 11 h 40 min
